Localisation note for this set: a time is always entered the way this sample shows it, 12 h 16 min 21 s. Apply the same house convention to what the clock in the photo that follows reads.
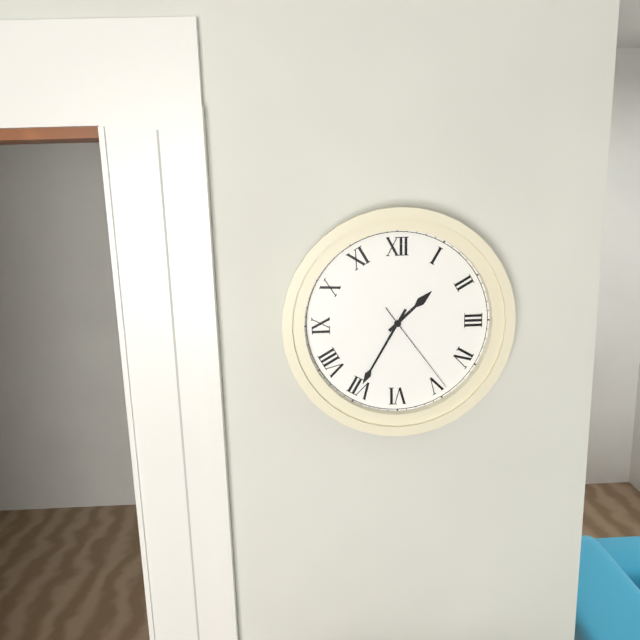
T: 1 h 35 min 24 s
